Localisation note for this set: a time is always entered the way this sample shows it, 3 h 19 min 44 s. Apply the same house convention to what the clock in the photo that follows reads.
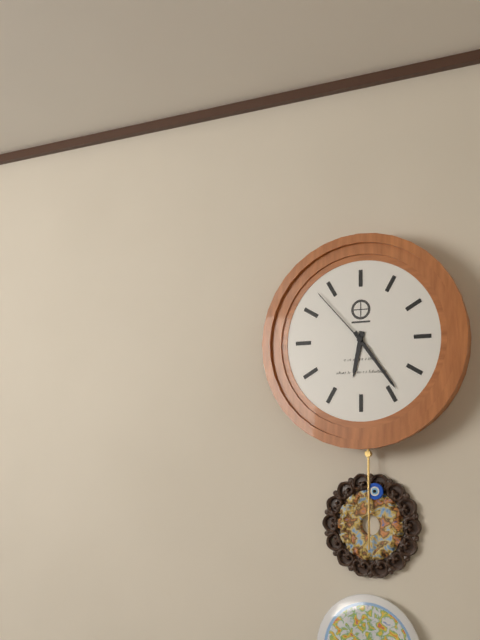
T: 6 h 24 min 53 s
